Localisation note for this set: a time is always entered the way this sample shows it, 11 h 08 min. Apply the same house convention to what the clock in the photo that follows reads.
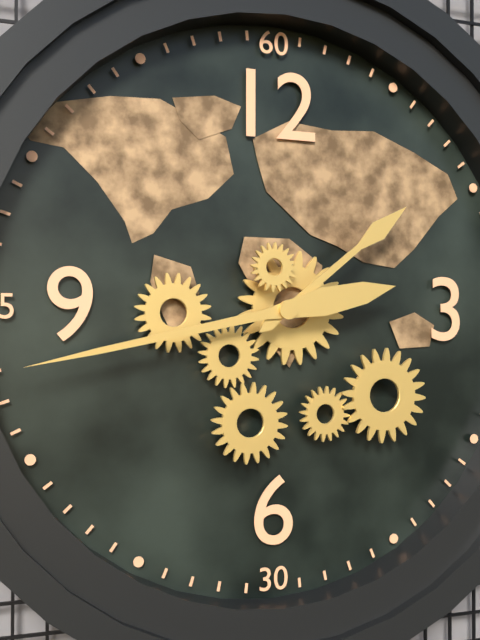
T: 1 h 43 min
